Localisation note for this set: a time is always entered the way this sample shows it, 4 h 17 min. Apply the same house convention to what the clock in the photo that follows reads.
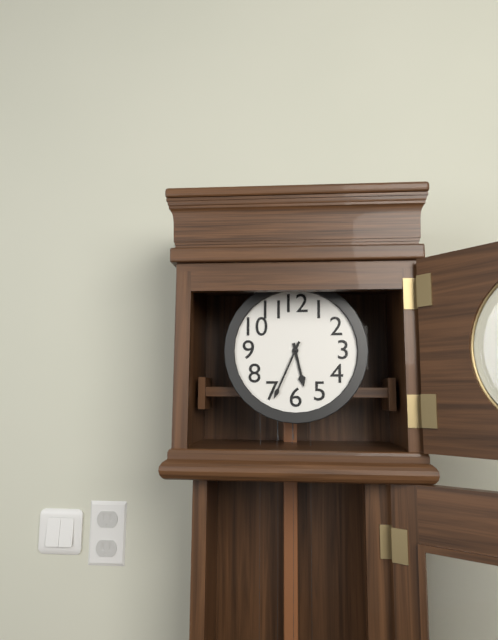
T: 5 h 34 min
